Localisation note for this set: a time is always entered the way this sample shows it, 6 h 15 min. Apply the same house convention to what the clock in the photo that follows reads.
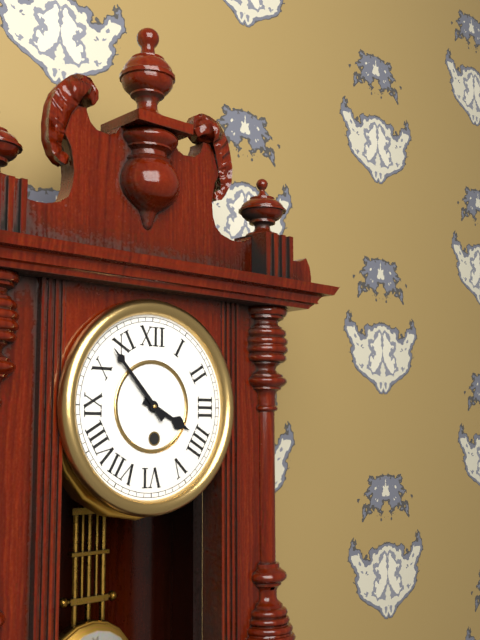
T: 3 h 53 min
